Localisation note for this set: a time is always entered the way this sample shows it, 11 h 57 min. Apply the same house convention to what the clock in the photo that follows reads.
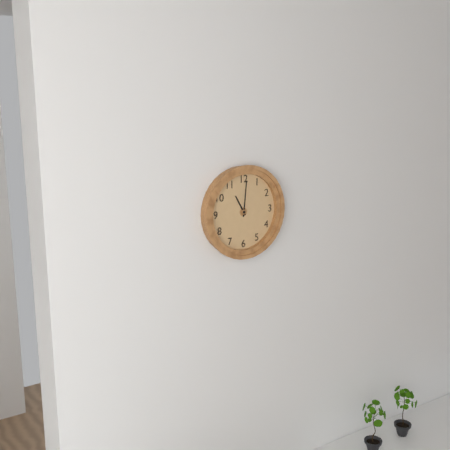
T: 11 h 01 min
